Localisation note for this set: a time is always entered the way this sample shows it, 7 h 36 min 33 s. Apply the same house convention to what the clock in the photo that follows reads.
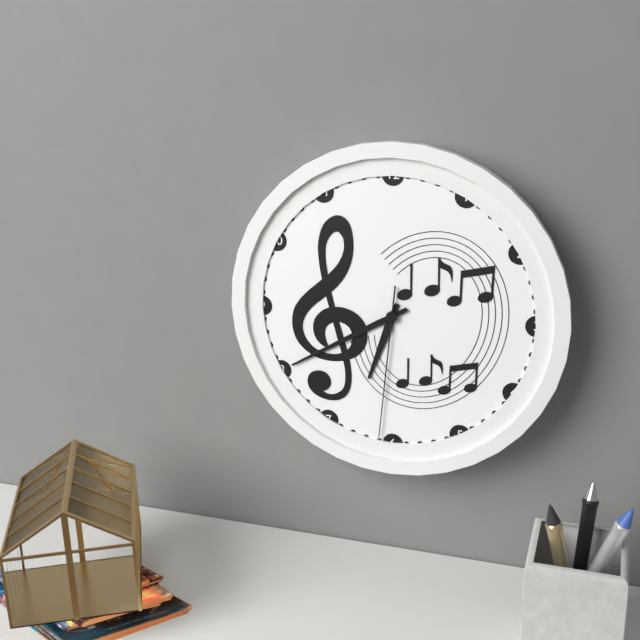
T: 6 h 40 min 31 s
